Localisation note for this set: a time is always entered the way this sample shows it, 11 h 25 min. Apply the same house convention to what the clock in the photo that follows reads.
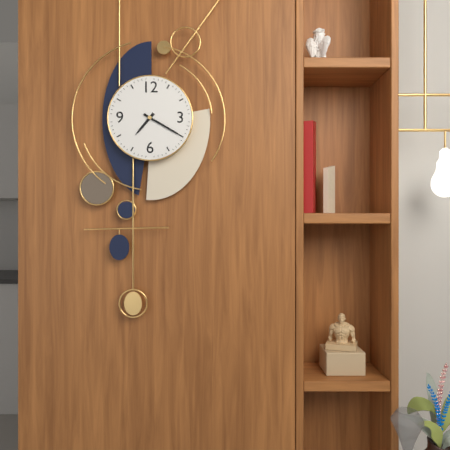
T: 7 h 20 min
